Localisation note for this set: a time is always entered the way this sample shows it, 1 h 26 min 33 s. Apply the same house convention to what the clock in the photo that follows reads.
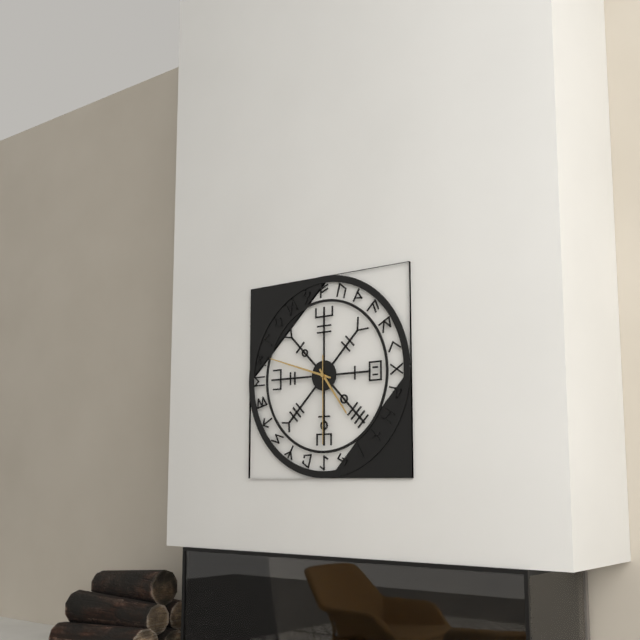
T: 4 h 48 min 30 s
